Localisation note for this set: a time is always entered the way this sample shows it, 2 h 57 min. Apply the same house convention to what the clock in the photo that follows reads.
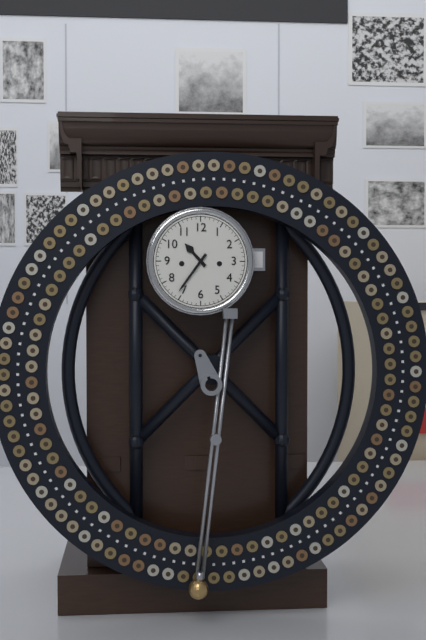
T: 10 h 36 min
